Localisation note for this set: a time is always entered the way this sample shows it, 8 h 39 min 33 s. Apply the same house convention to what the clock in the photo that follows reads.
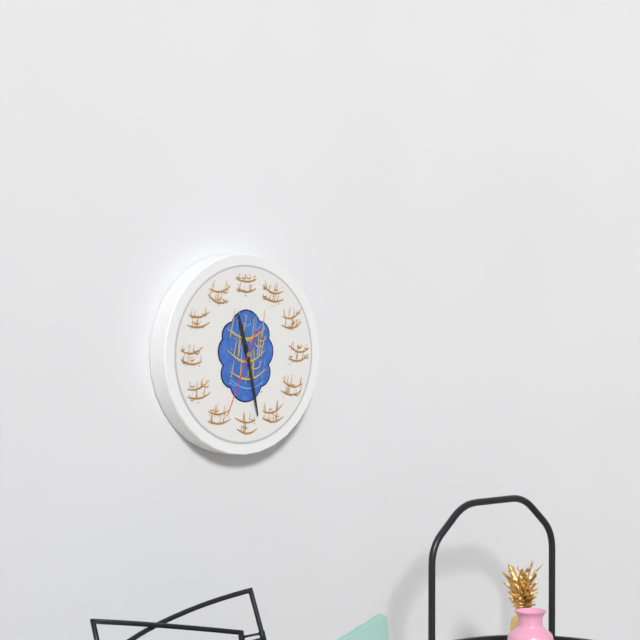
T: 11 h 28 min 34 s
